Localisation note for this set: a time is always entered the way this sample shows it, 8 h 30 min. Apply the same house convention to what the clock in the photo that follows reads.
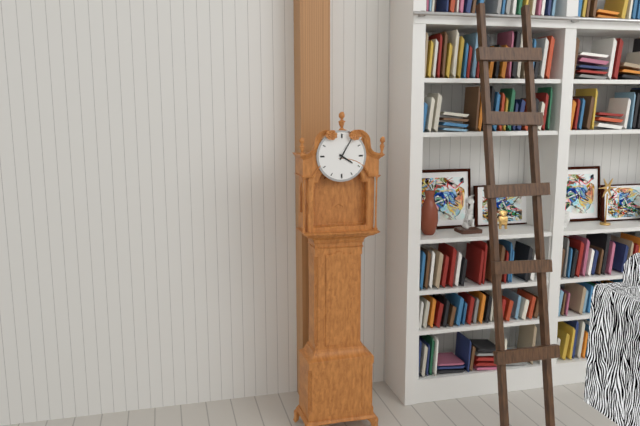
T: 4 h 05 min
